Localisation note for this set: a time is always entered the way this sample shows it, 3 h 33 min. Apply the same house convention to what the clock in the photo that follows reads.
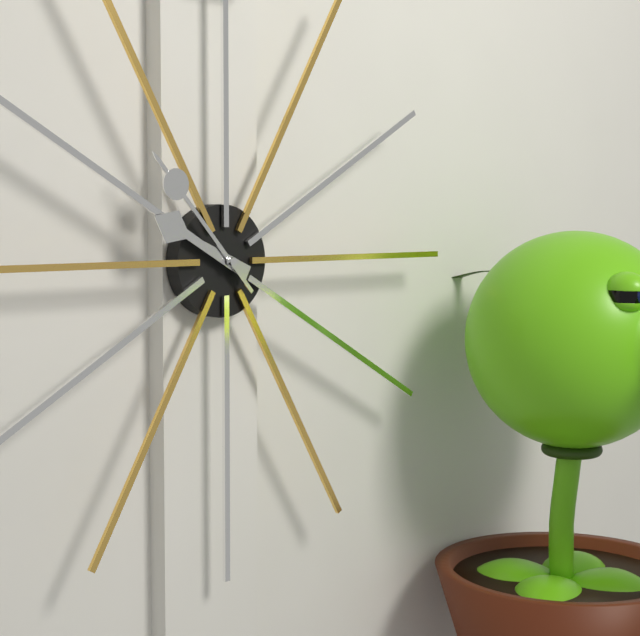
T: 9 h 53 min
